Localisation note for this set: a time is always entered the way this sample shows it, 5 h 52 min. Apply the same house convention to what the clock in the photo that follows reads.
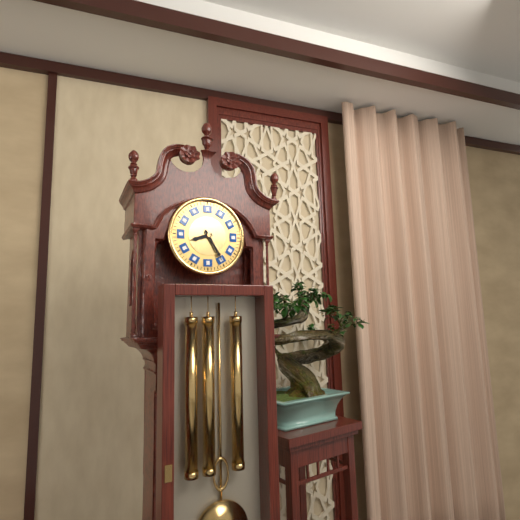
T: 8 h 25 min
